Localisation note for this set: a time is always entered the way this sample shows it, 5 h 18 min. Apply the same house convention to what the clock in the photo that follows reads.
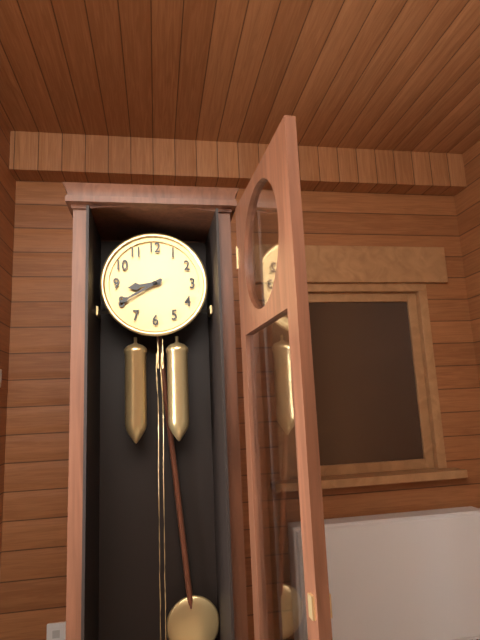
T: 8 h 40 min
